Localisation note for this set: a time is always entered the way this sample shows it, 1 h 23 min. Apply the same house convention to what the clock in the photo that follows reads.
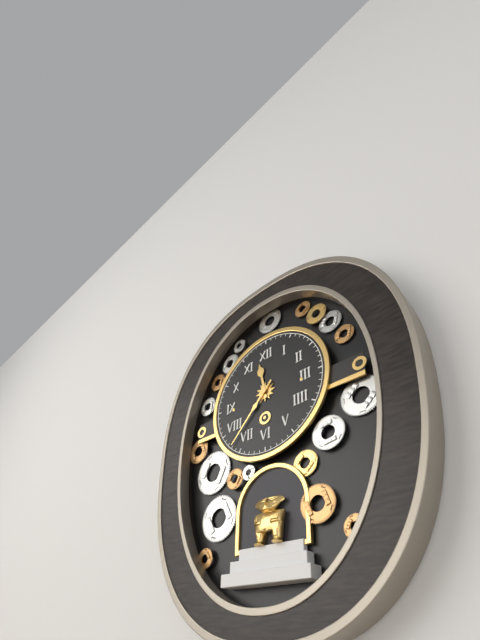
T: 11 h 37 min
